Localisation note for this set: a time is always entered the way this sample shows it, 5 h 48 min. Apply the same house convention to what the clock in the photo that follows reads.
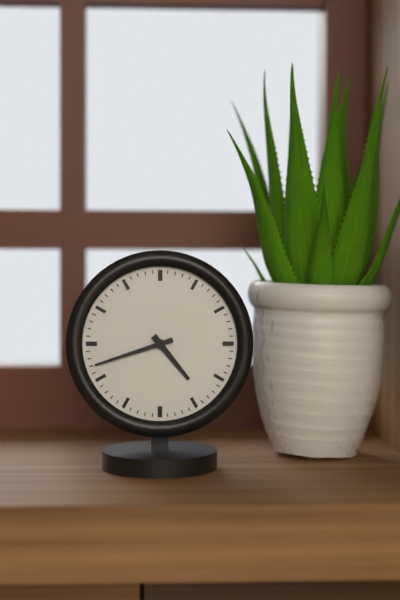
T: 4 h 42 min
